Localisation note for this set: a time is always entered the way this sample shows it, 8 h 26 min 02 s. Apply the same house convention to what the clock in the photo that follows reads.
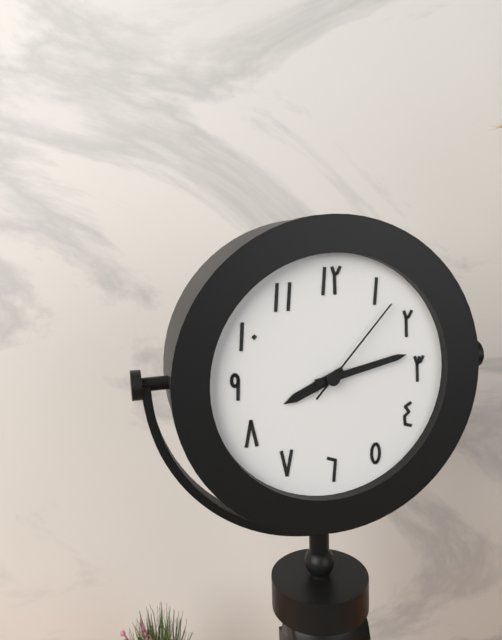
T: 8 h 13 min 07 s
